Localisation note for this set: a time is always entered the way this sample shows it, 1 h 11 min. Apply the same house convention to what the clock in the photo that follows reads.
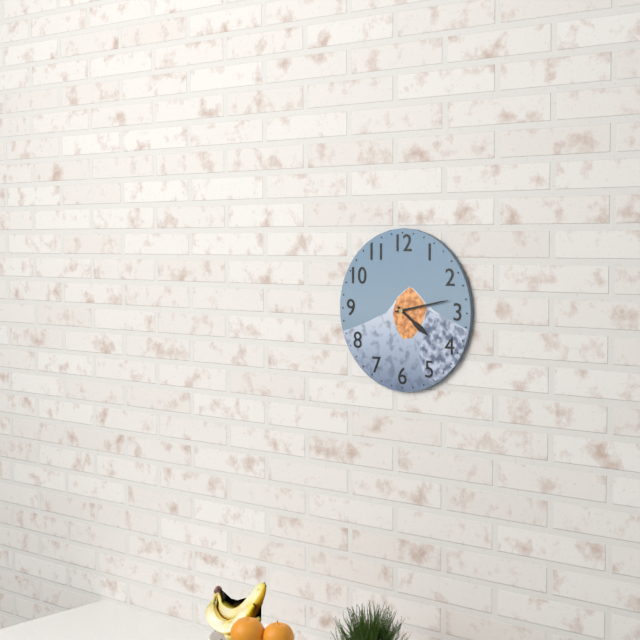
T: 4 h 13 min
